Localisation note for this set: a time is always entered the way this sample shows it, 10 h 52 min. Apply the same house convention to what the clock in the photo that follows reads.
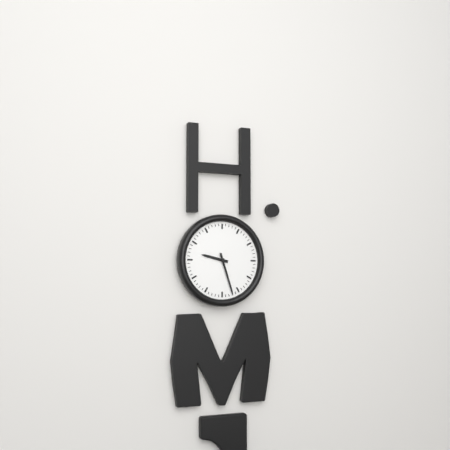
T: 9 h 27 min
